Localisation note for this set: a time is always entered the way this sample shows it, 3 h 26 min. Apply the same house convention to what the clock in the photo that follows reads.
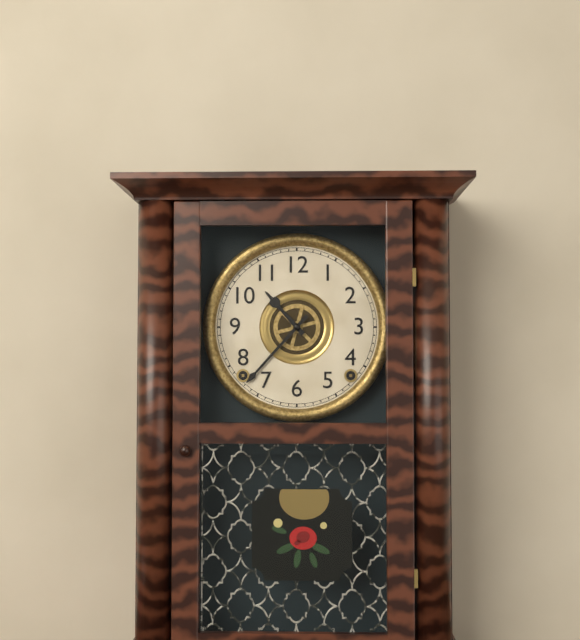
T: 10 h 37 min
